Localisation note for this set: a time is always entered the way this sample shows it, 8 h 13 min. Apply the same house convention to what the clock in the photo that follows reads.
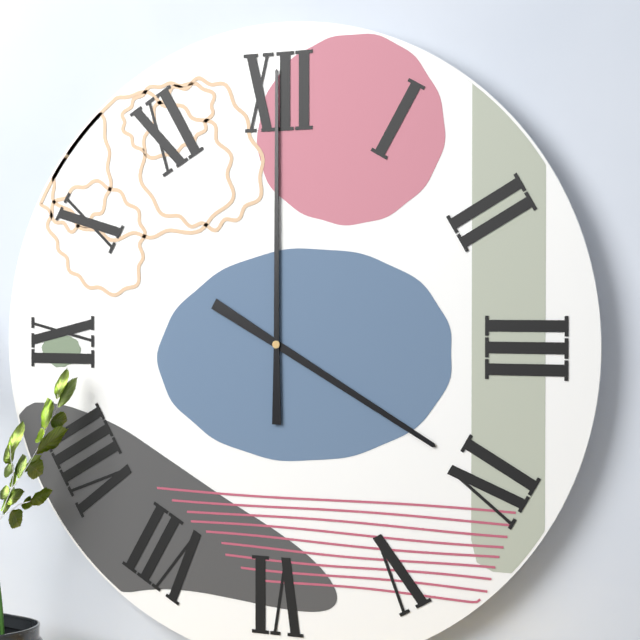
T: 4 h 00 min
